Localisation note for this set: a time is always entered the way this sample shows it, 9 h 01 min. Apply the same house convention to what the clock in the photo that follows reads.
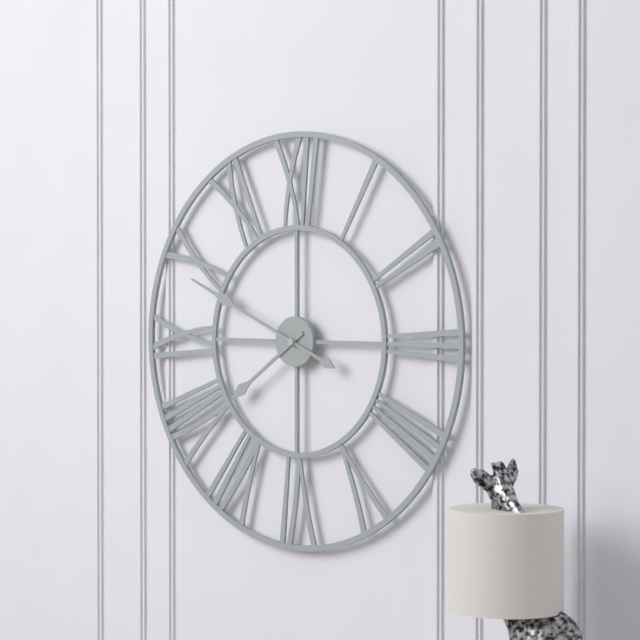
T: 7 h 49 min
